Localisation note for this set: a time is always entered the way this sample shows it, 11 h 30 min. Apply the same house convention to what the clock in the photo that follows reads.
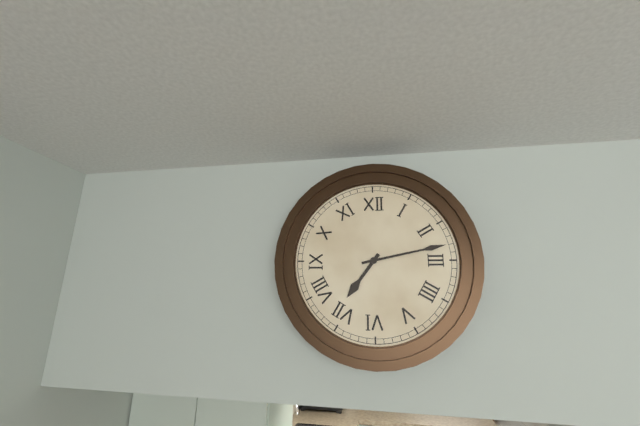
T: 7 h 13 min
